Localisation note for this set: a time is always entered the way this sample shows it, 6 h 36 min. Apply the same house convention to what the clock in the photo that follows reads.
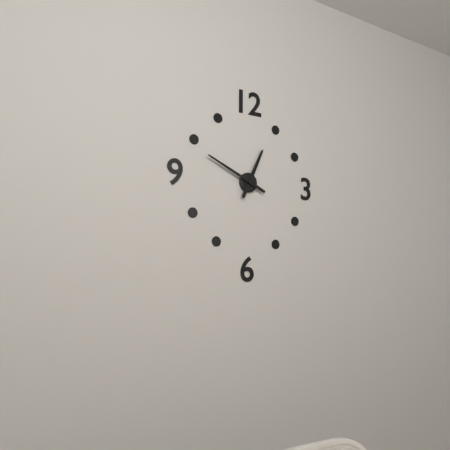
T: 12 h 49 min
